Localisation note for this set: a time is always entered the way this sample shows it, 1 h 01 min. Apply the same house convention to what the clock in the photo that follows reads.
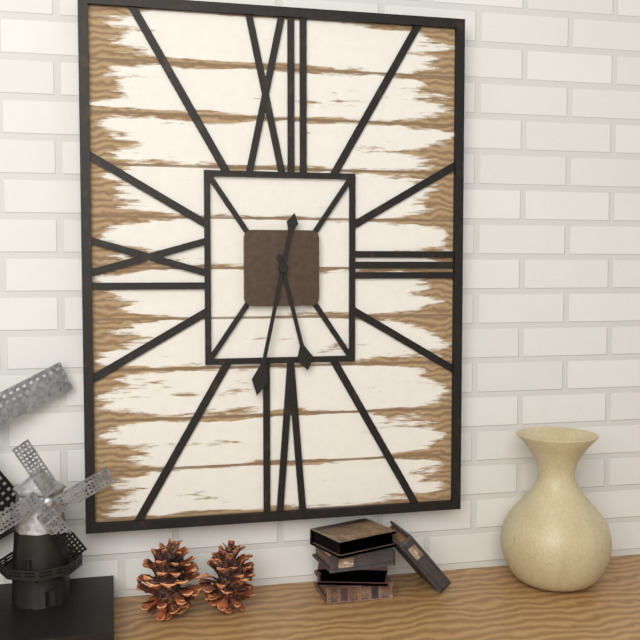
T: 5 h 32 min
